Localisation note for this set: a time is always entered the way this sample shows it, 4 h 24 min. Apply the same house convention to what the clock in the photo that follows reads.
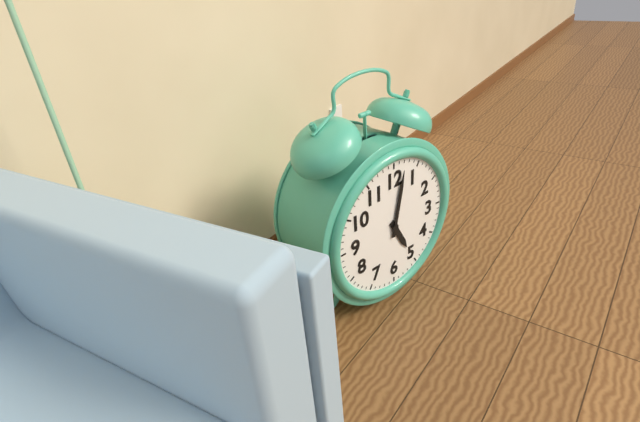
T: 5 h 02 min
